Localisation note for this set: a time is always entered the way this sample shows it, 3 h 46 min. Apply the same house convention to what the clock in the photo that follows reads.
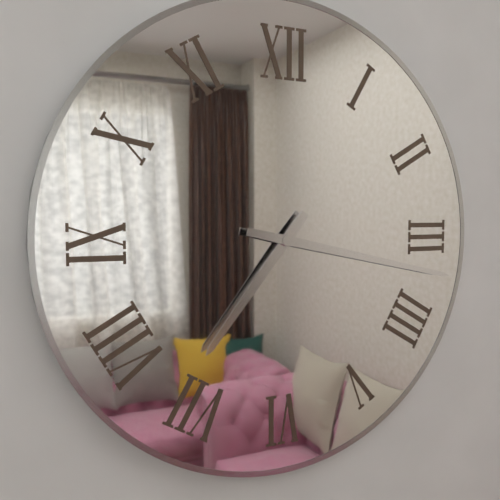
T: 7 h 17 min
